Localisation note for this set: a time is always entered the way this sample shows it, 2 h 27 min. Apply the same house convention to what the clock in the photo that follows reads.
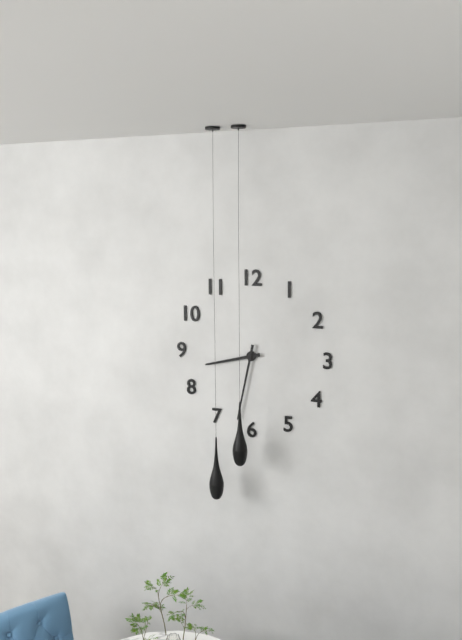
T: 8 h 32 min
